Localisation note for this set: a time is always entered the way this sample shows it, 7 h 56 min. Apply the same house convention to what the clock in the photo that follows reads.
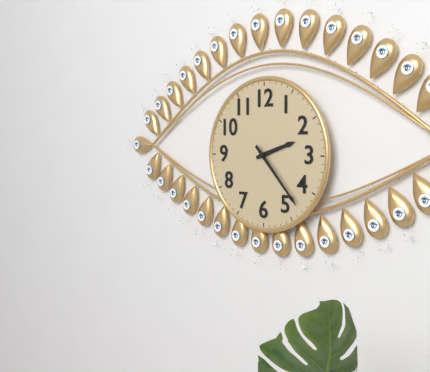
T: 2 h 23 min
